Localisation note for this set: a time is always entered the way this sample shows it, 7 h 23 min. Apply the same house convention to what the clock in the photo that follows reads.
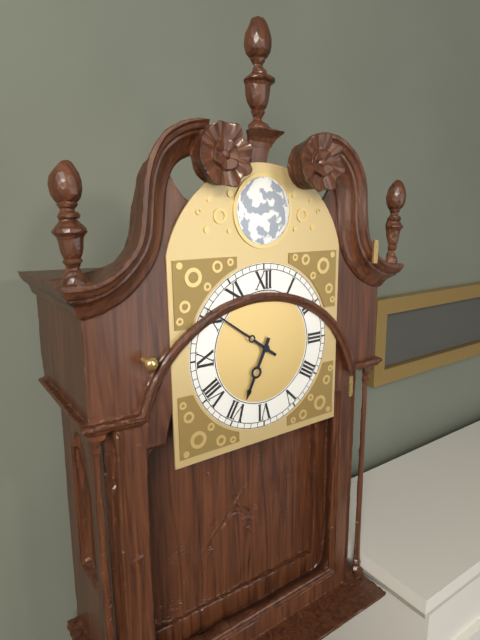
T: 6 h 51 min
